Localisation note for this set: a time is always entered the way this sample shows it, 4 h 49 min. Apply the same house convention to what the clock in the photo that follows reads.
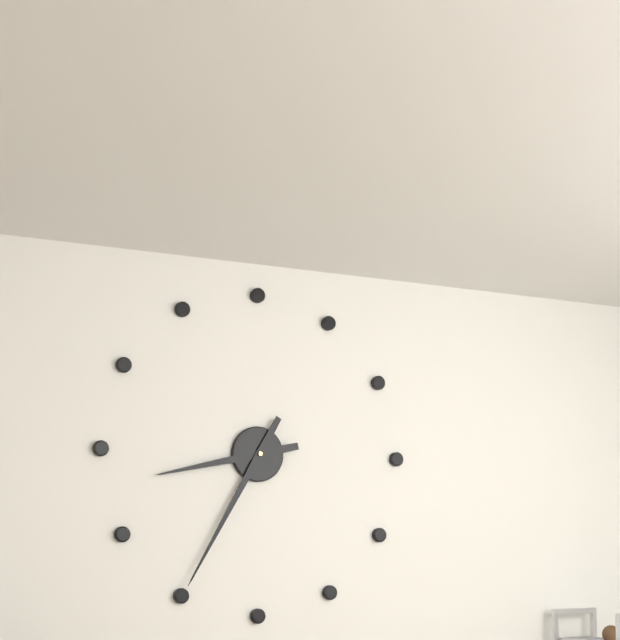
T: 8 h 35 min
